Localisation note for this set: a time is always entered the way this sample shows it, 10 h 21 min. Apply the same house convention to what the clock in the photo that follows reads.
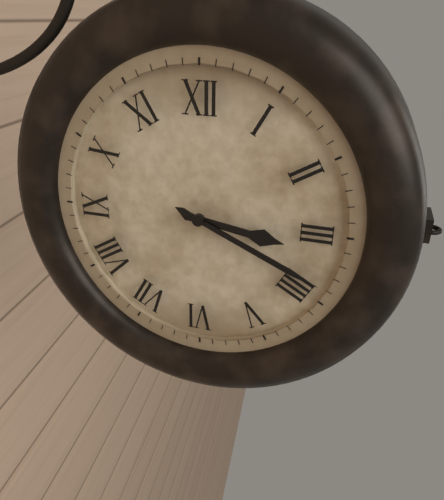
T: 3 h 19 min
